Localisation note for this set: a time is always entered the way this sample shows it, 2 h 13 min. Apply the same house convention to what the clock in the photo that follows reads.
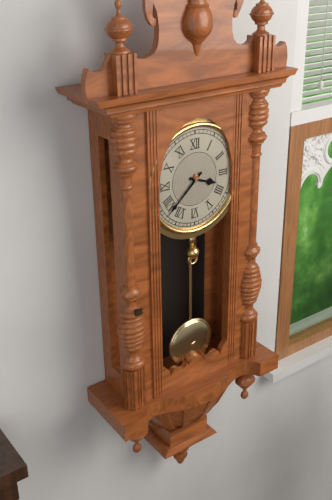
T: 3 h 38 min
